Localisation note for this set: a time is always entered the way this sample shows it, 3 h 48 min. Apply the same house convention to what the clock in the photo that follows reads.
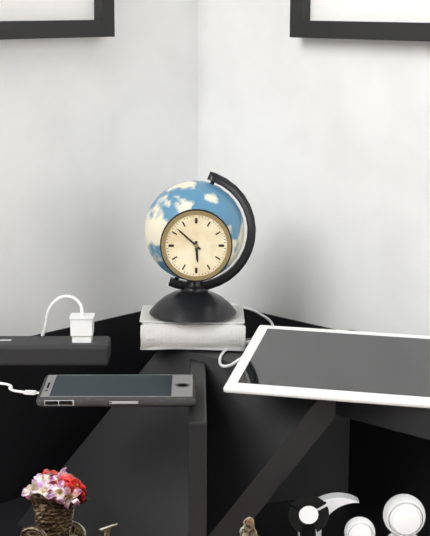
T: 5 h 52 min
